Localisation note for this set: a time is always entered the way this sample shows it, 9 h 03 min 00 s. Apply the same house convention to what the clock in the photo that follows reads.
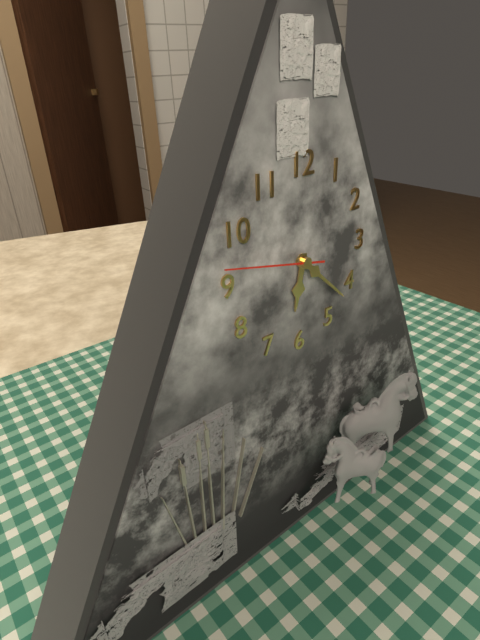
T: 6 h 22 min 47 s
